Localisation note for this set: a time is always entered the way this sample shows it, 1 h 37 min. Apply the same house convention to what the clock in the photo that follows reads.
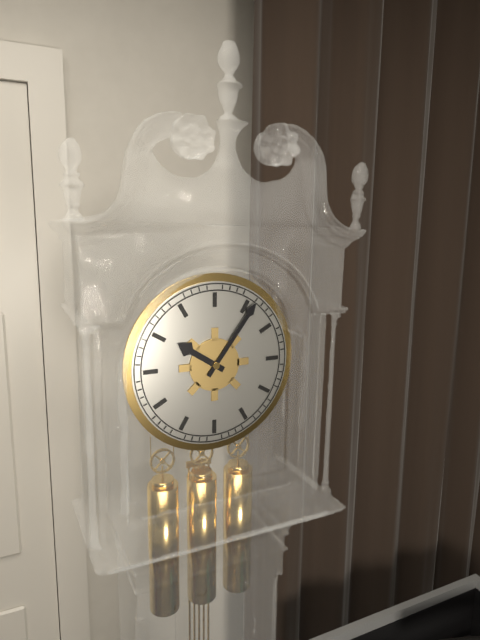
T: 10 h 06 min
